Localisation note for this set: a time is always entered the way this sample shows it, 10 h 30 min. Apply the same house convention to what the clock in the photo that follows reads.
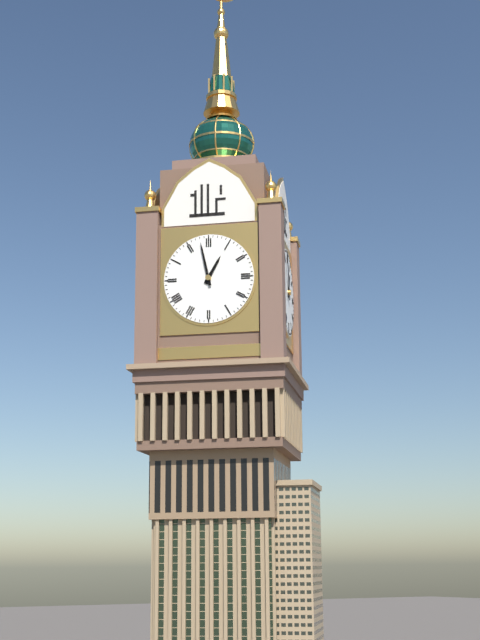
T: 12 h 58 min
